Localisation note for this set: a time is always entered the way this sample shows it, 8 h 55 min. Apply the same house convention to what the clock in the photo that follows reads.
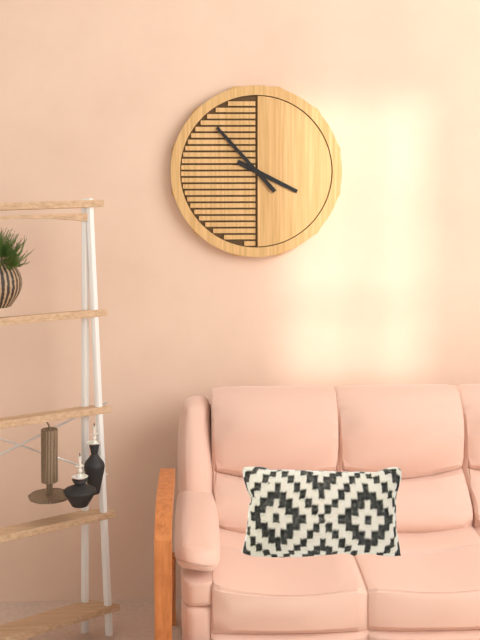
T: 3 h 53 min
